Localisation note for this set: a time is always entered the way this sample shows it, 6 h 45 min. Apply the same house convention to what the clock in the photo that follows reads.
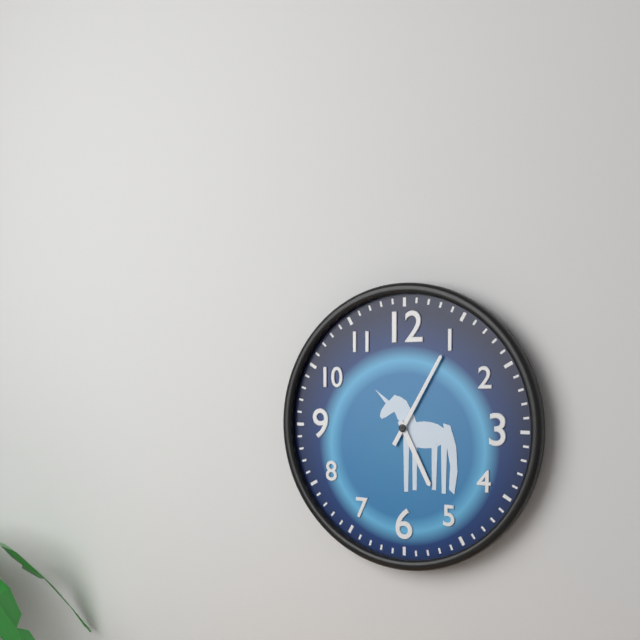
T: 5 h 05 min
